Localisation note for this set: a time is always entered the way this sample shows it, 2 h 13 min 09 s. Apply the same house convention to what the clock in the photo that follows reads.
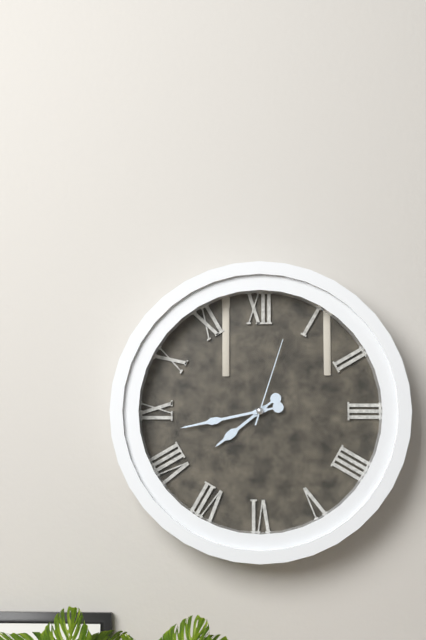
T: 7 h 43 min 03 s
